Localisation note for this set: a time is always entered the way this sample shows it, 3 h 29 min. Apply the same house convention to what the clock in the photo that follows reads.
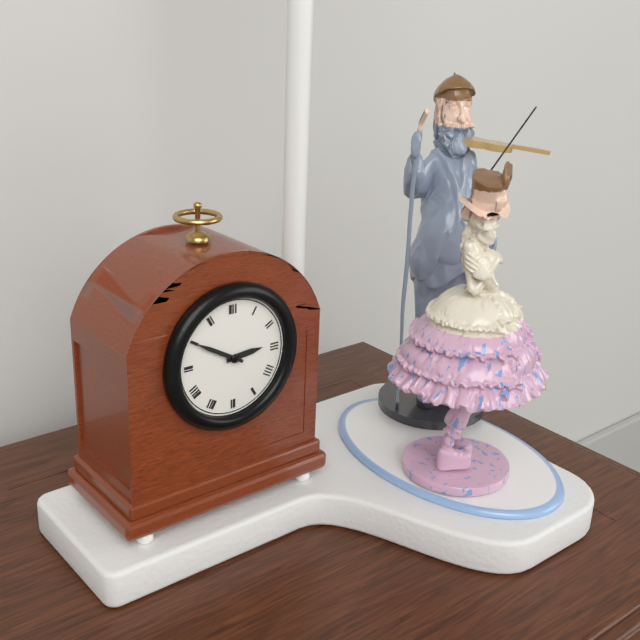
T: 2 h 50 min
